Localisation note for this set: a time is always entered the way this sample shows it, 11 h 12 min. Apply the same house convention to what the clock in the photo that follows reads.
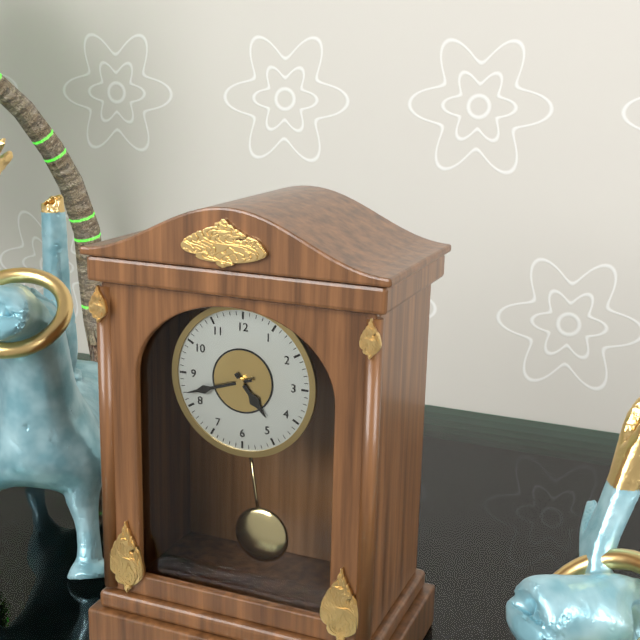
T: 4 h 42 min
